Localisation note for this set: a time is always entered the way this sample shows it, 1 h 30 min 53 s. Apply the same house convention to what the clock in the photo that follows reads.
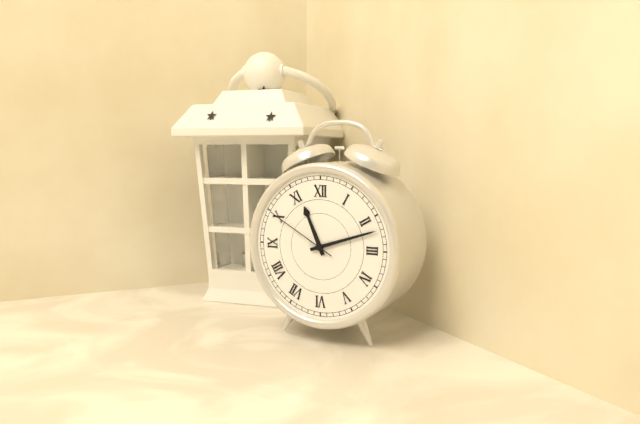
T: 11 h 12 min 50 s
